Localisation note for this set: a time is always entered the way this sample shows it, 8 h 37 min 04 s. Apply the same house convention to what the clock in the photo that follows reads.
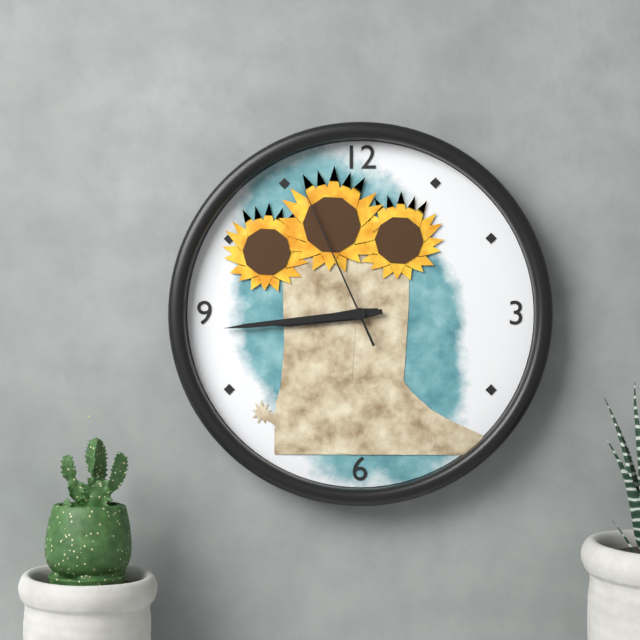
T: 8 h 44 min 56 s
